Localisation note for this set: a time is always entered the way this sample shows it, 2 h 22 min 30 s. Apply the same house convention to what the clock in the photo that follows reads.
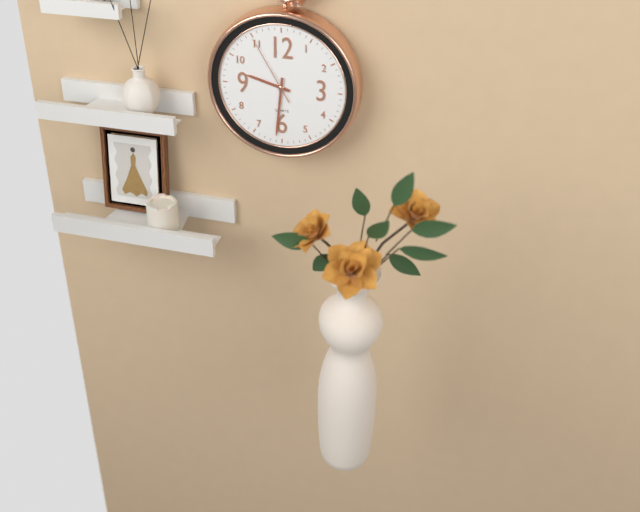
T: 9 h 31 min 55 s
